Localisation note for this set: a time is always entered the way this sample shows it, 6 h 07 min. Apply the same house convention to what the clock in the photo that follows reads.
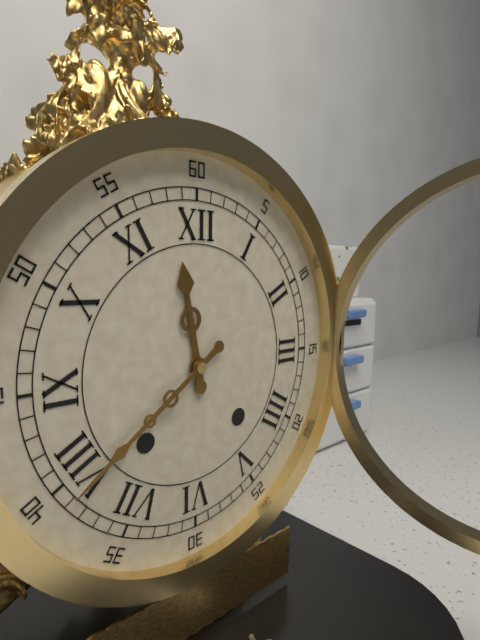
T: 11 h 39 min
